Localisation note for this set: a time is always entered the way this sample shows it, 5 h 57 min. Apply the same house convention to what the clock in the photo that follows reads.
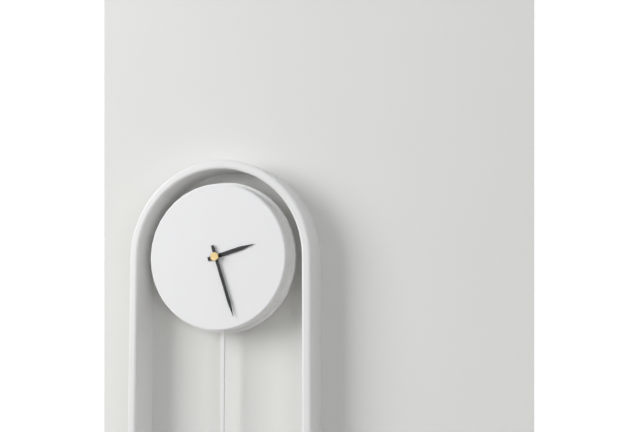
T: 2 h 27 min
